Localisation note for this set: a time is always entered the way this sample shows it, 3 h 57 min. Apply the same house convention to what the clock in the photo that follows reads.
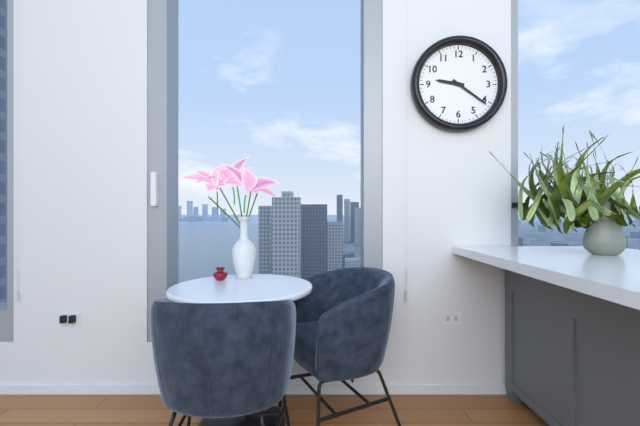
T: 9 h 21 min
